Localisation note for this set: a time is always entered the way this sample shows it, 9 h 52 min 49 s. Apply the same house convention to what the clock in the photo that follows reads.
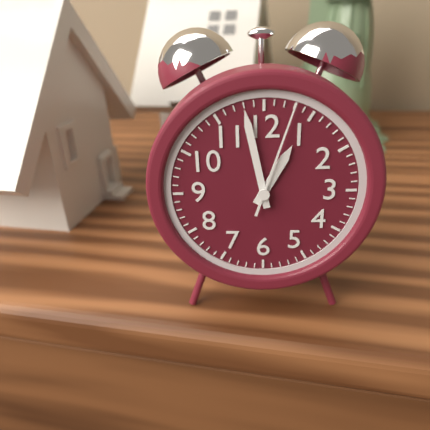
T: 12 h 58 min 03 s
